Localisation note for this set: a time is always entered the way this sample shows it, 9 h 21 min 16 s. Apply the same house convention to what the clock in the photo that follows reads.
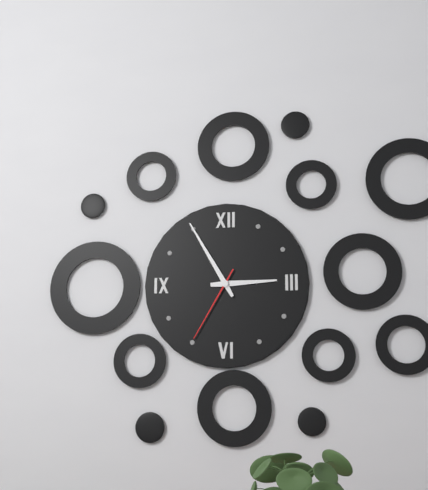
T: 2 h 55 min 35 s
